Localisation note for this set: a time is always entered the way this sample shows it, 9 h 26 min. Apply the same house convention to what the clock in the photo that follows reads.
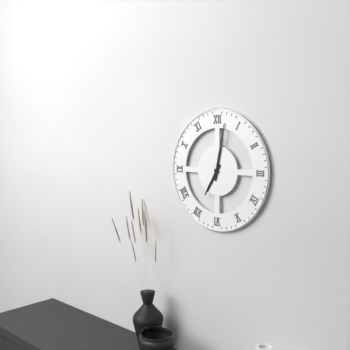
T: 7 h 02 min
